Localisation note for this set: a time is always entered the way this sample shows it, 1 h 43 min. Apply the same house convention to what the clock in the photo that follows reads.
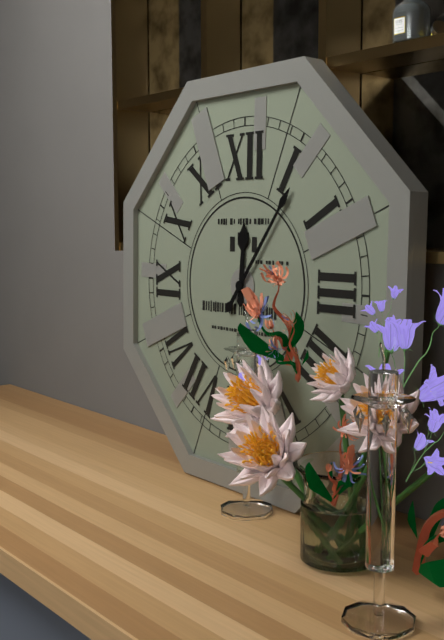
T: 12 h 06 min
